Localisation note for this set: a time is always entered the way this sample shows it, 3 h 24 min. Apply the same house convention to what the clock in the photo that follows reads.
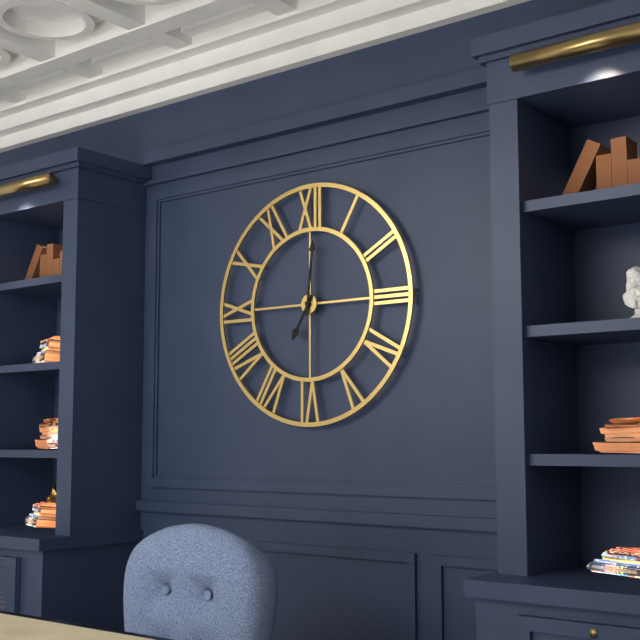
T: 7 h 01 min
